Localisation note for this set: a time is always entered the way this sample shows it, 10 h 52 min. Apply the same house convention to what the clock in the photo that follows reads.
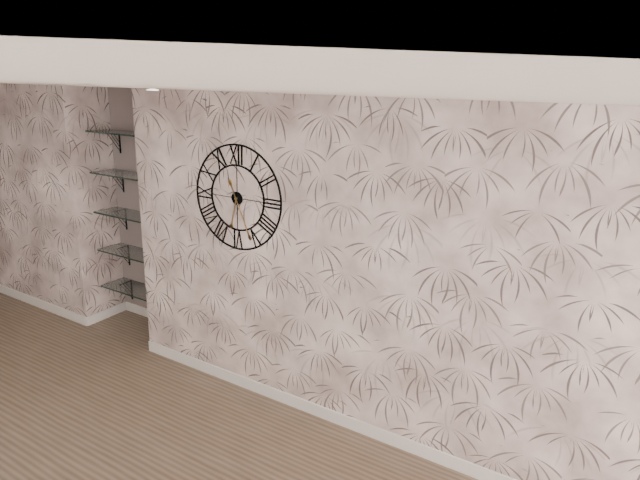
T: 6 h 26 min
